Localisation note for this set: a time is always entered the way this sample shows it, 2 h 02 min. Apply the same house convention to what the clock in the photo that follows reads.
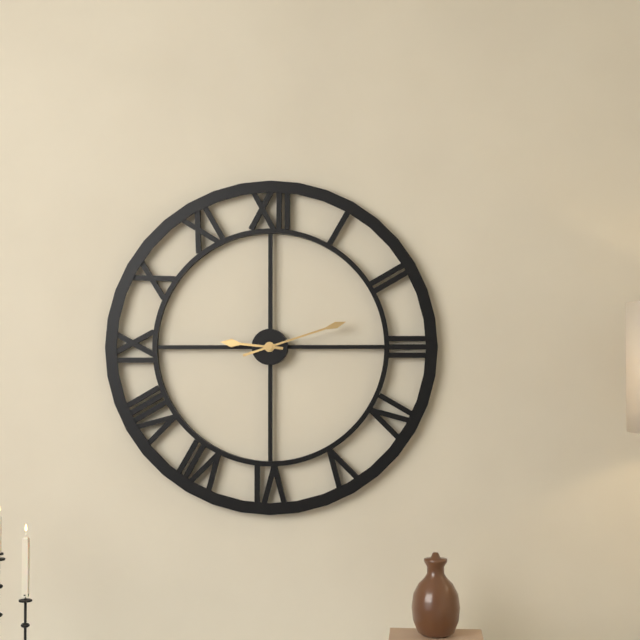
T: 9 h 12 min
